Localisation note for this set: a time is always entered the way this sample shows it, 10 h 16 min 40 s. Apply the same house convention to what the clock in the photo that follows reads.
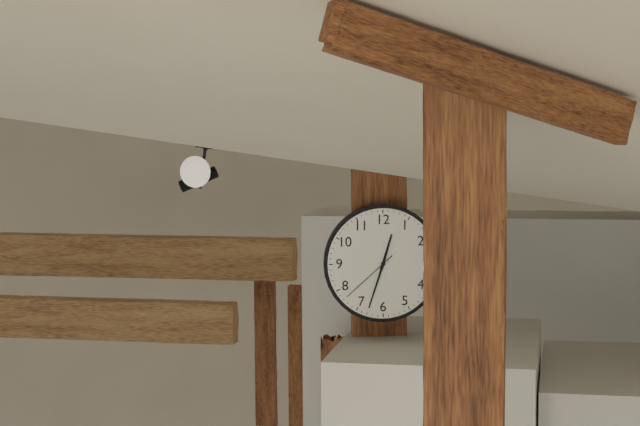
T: 12 h 33 min 38 s
